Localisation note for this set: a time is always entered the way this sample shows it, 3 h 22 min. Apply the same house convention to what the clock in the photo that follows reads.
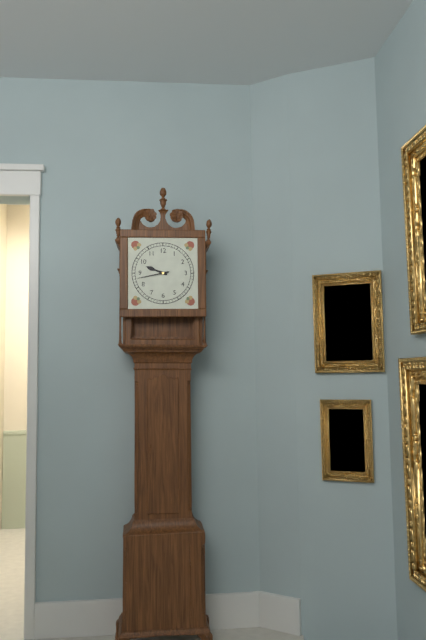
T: 9 h 43 min
